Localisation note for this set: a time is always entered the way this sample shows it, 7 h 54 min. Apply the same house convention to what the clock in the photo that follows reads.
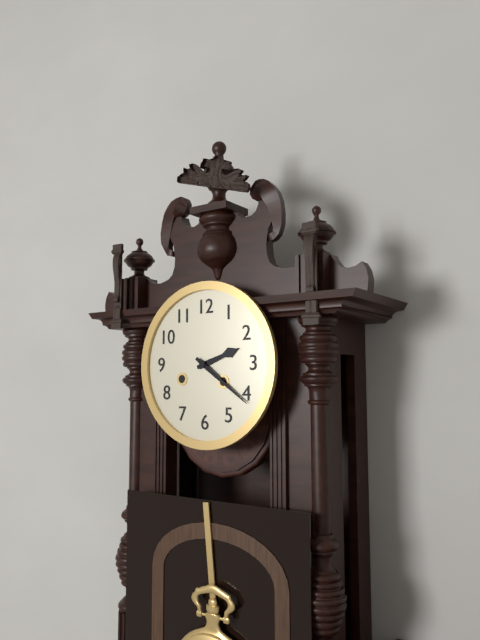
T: 2 h 21 min
